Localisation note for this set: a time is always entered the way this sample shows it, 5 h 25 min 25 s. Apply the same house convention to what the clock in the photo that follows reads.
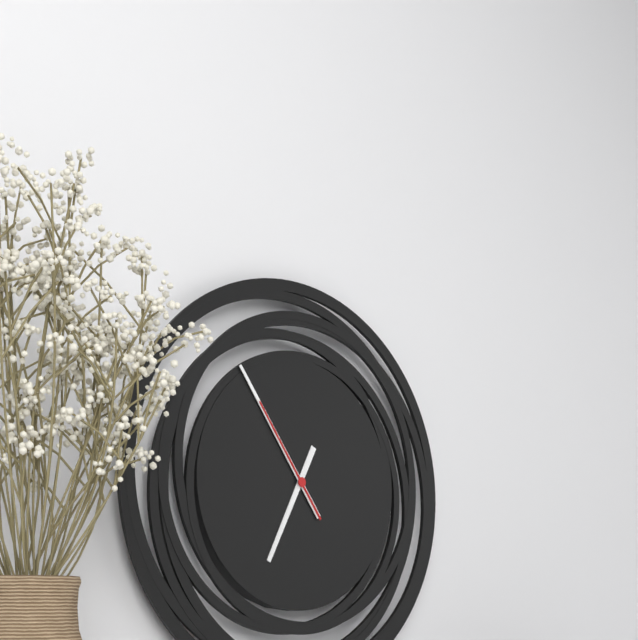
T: 6 h 54 min 54 s
